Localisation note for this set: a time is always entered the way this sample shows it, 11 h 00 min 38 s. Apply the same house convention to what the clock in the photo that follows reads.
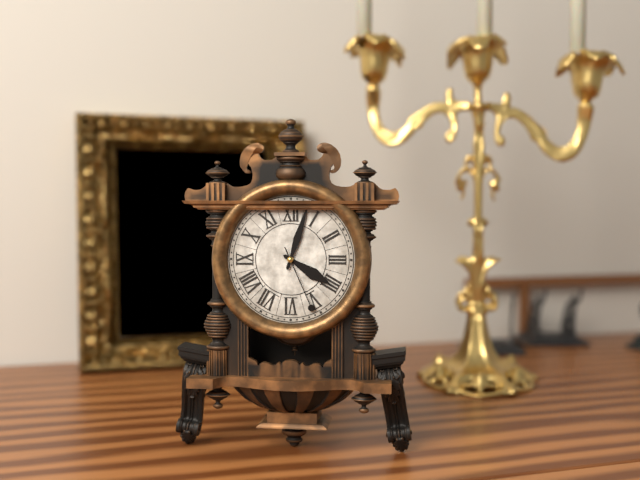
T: 4 h 03 min 26 s
